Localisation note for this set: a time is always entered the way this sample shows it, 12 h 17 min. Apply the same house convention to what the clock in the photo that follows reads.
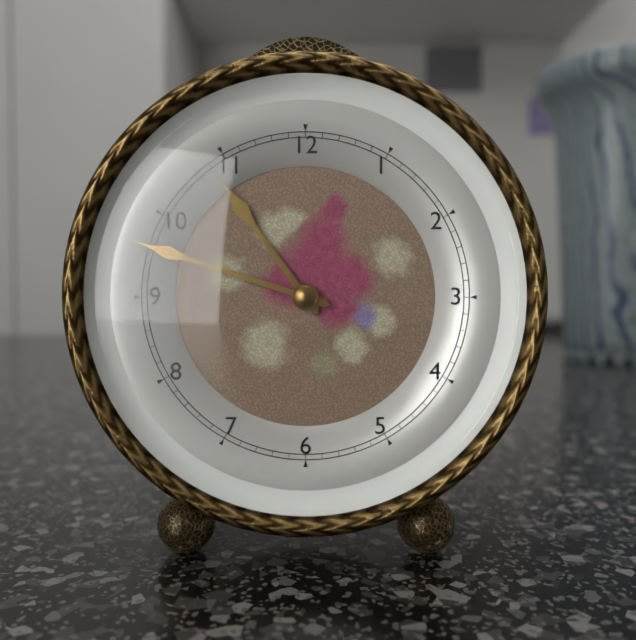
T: 10 h 48 min
